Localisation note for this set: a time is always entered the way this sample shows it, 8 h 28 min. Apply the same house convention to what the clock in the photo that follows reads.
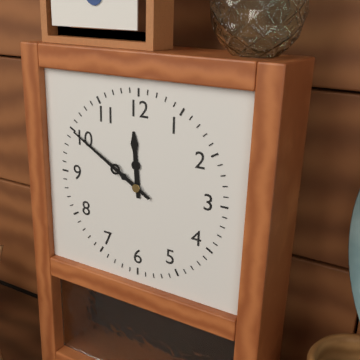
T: 11 h 50 min
